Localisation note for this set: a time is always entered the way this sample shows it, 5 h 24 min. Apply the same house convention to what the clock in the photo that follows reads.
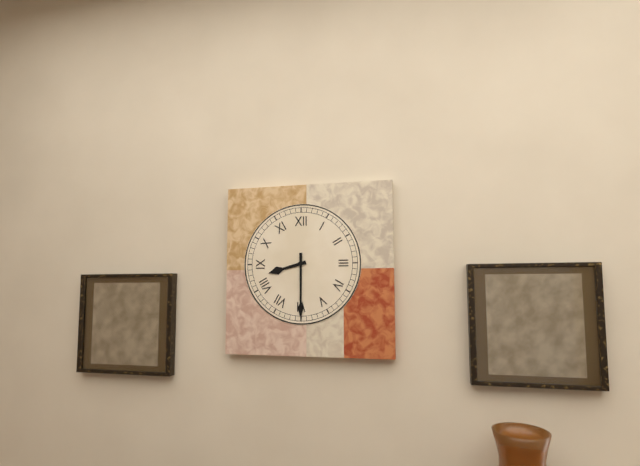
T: 8 h 30 min
